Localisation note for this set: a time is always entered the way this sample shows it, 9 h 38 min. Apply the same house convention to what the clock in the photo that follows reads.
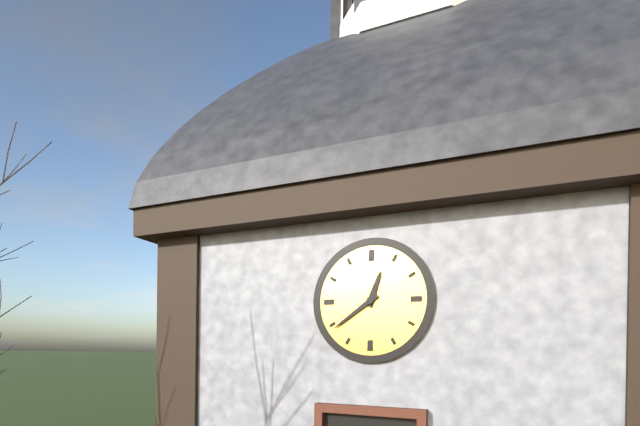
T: 12 h 39 min
